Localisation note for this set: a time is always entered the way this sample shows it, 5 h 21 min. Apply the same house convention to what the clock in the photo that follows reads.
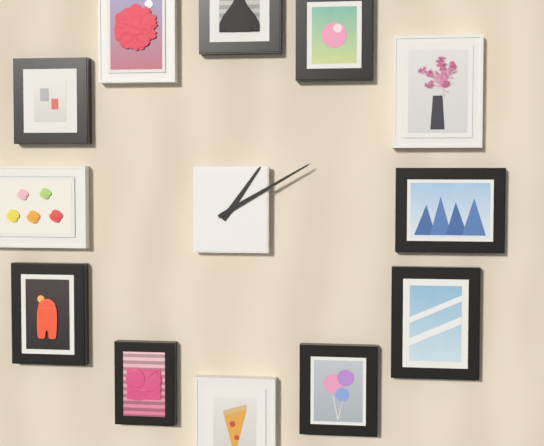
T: 1 h 10 min
